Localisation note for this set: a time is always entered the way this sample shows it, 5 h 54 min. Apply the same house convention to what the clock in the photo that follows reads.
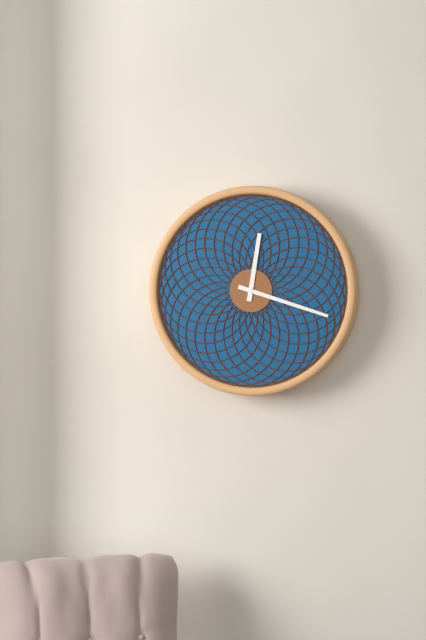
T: 12 h 18 min
